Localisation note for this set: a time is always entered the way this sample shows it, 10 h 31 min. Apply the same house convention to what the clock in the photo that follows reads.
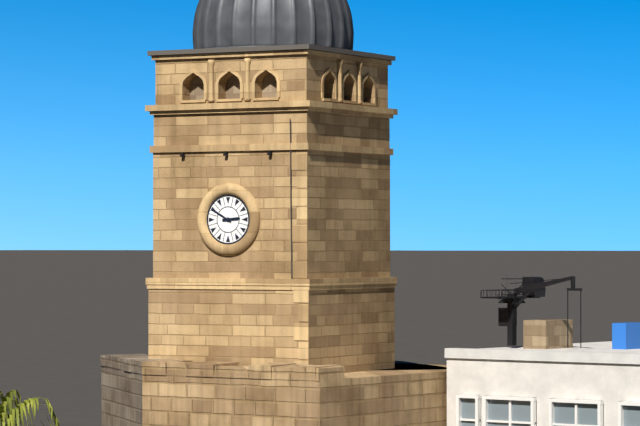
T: 2 h 50 min
